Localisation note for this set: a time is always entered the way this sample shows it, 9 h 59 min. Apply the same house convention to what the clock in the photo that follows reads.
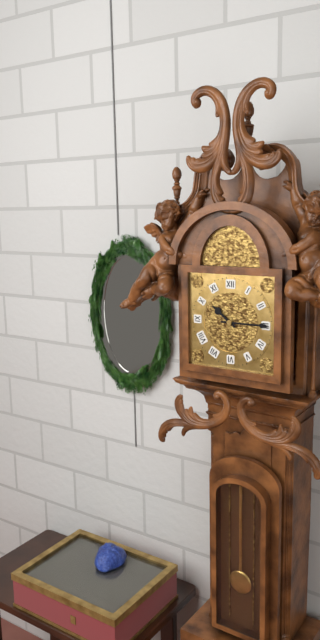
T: 10 h 15 min
